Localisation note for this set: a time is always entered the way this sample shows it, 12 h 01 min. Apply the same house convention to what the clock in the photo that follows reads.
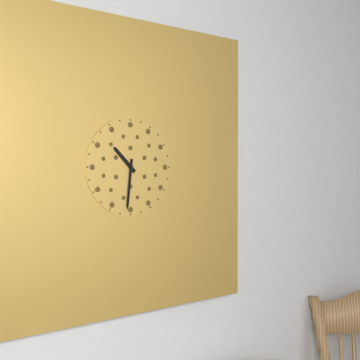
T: 10 h 31 min
